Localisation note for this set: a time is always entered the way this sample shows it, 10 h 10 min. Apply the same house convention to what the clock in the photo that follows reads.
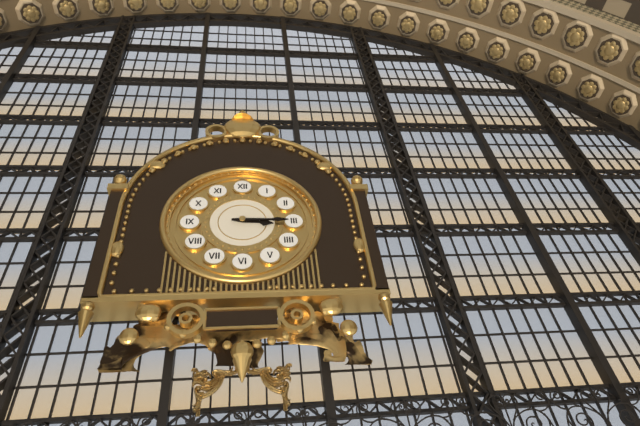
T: 3 h 15 min
